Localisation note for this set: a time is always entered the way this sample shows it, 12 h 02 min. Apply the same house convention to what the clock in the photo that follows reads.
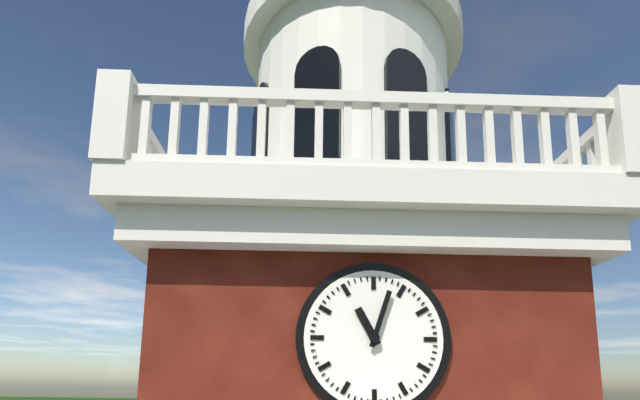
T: 11 h 03 min
